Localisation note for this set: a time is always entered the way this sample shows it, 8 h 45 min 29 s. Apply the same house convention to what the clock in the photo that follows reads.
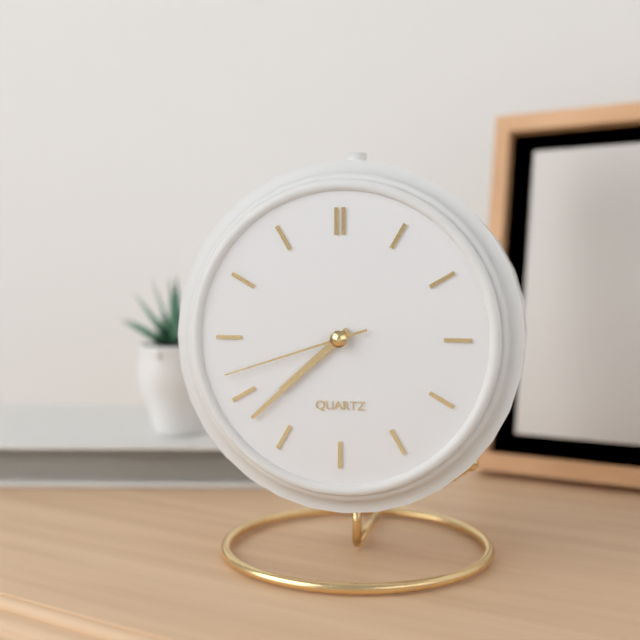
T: 7 h 38 min 42 s
